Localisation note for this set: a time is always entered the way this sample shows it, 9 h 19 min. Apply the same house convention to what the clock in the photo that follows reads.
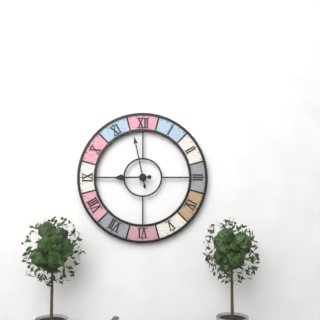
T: 8 h 58 min
